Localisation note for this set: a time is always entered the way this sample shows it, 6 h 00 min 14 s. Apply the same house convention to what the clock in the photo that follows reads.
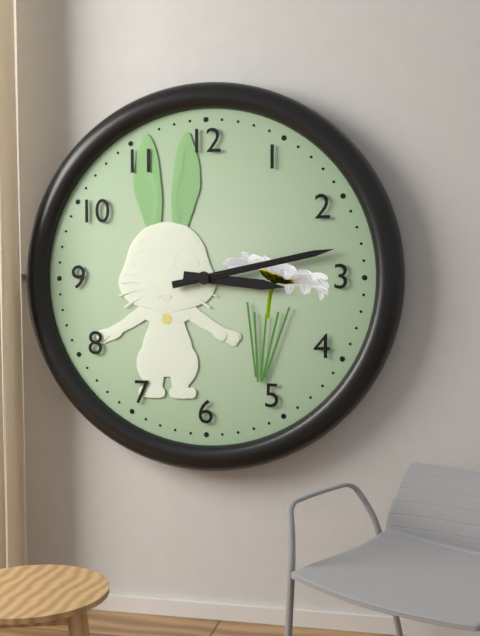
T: 3 h 13 min 13 s
